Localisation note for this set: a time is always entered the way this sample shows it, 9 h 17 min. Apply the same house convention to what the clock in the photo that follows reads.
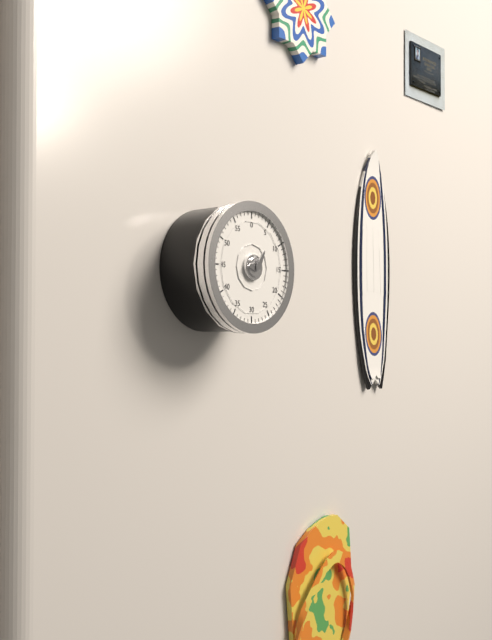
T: 9 h 05 min
